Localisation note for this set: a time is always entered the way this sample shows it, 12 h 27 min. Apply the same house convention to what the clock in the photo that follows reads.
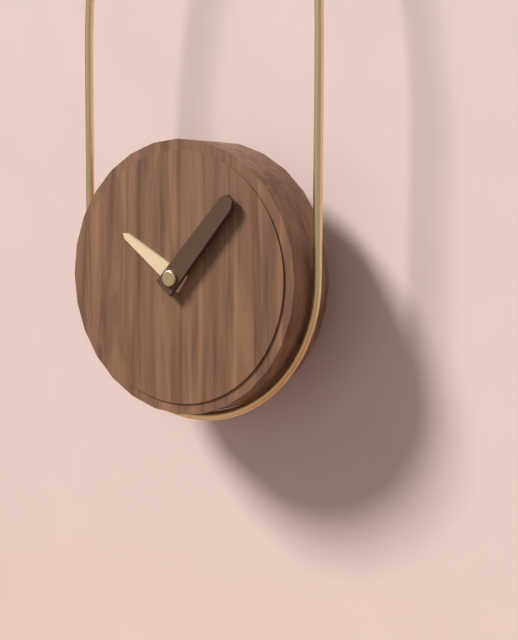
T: 10 h 07 min
